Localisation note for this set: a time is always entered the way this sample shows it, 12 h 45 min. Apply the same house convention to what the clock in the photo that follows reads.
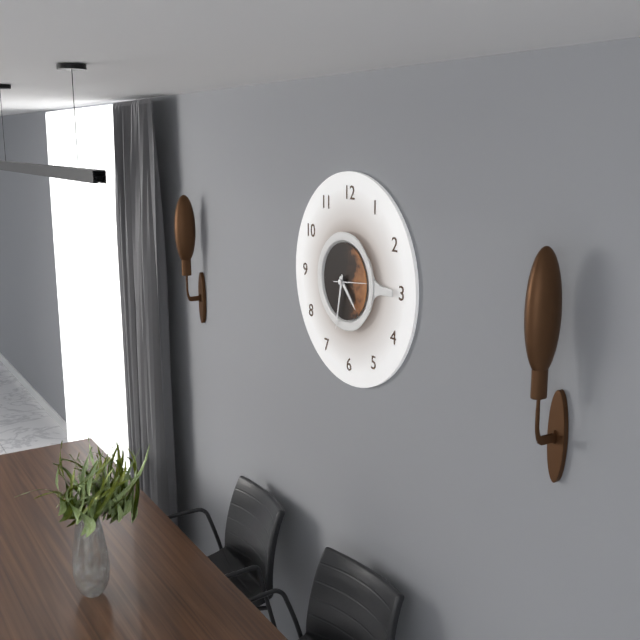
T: 4 h 32 min
